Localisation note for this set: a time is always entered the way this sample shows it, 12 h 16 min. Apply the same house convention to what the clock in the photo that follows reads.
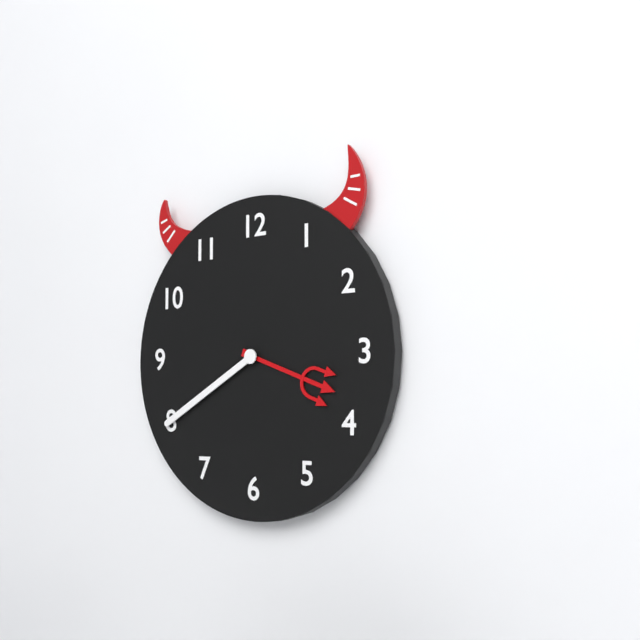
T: 3 h 40 min
